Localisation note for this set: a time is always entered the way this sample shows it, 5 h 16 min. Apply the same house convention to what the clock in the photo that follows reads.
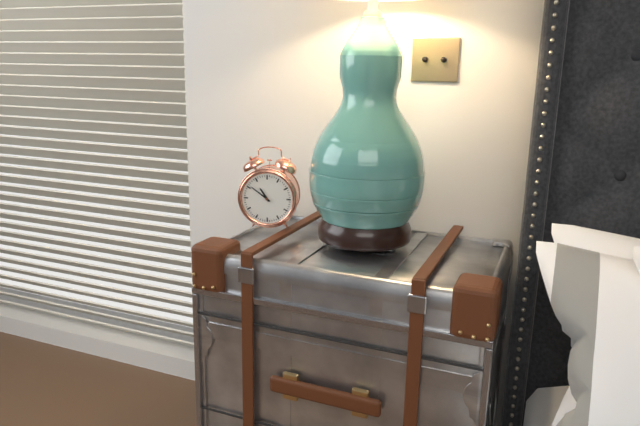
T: 10 h 51 min
